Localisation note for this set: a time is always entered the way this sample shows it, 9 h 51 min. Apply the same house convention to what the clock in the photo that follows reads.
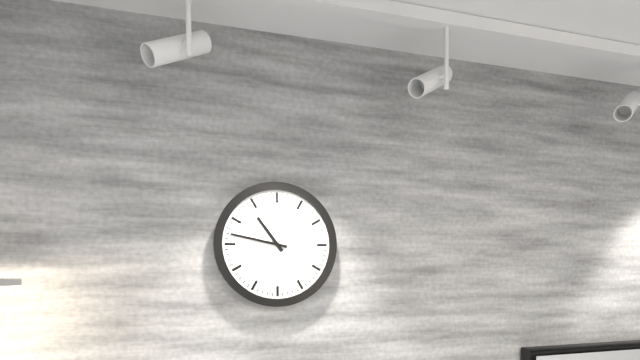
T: 10 h 47 min
